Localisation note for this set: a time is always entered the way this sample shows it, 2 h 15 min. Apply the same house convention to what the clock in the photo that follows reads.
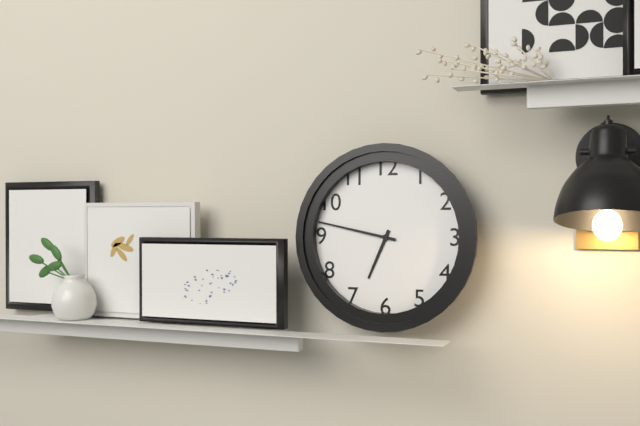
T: 6 h 47 min
